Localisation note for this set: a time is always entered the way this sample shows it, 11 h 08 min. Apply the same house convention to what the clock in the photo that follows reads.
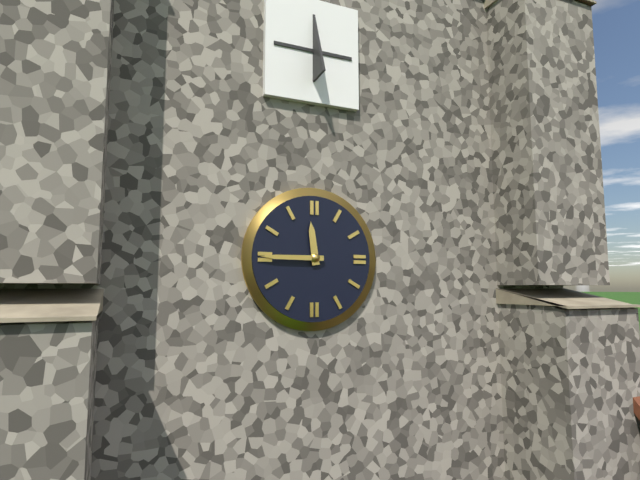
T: 11 h 45 min
